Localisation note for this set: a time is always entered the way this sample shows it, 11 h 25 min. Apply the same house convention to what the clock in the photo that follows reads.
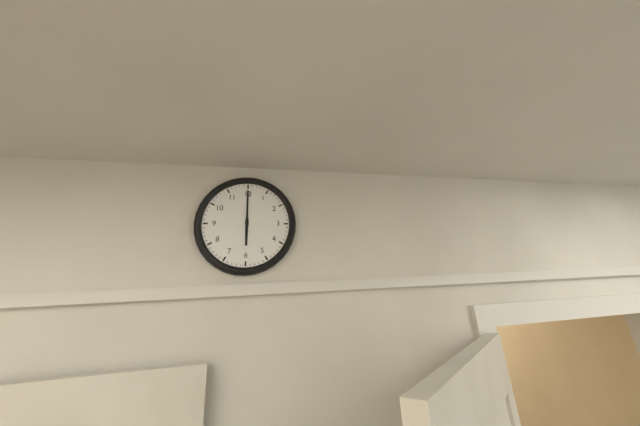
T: 6 h 00 min
